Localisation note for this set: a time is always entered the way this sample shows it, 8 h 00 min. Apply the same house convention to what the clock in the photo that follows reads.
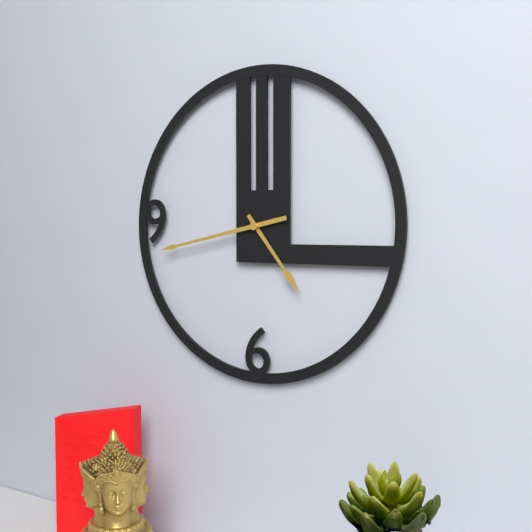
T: 4 h 43 min
